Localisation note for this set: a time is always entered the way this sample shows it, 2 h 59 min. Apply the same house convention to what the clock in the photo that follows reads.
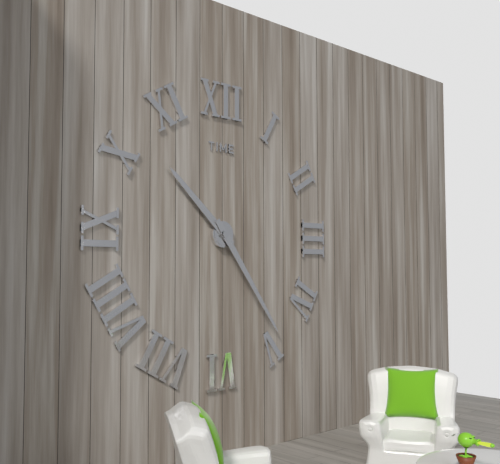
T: 10 h 24 min
